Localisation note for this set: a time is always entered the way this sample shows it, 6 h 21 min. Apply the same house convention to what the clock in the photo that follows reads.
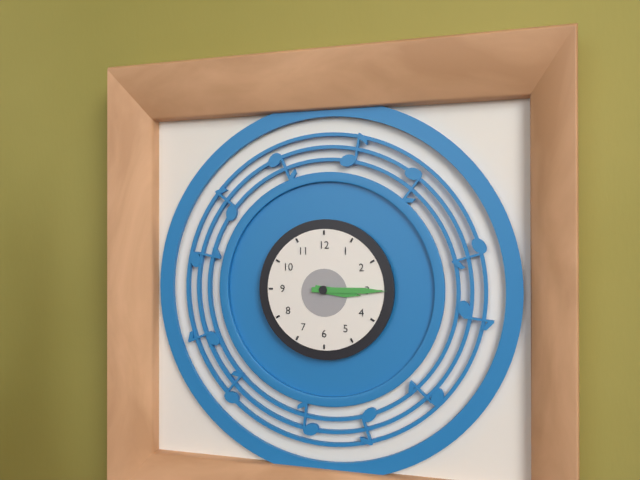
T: 3 h 15 min
